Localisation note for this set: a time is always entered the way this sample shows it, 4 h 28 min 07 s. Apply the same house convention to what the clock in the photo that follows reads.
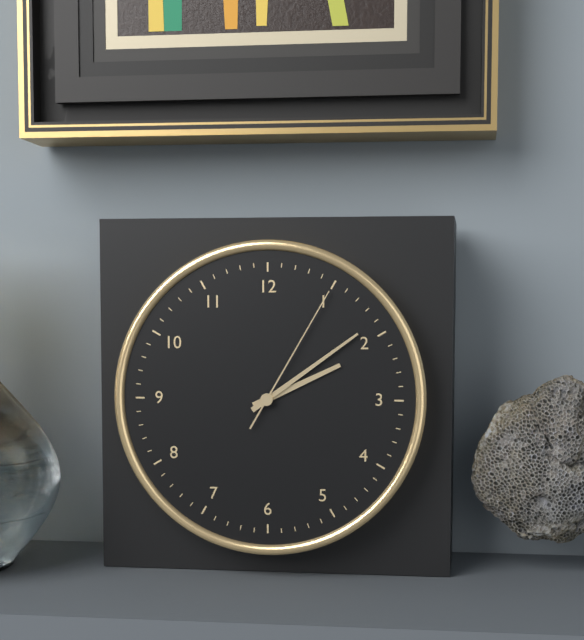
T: 2 h 09 min 05 s
